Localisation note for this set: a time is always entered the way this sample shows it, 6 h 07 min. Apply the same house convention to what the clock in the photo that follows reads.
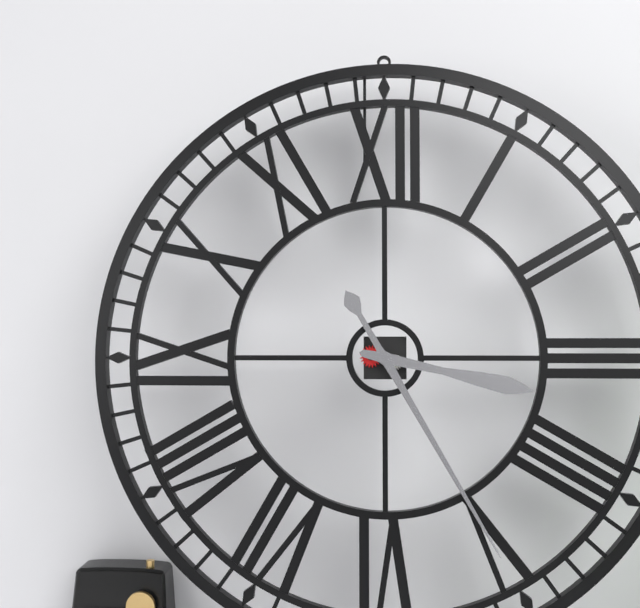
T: 3 h 25 min
